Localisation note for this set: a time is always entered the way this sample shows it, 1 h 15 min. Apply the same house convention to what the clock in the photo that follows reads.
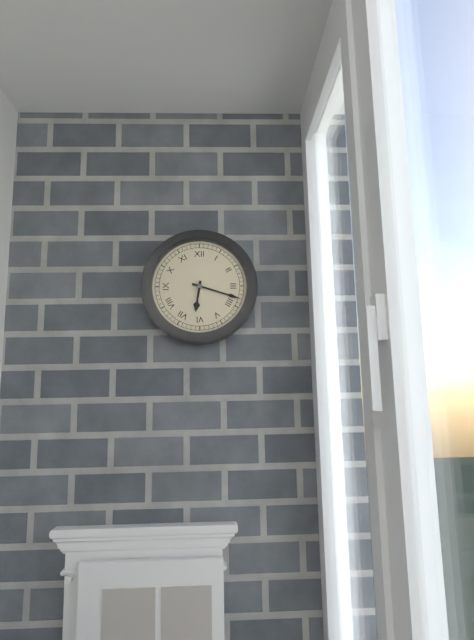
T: 6 h 18 min
